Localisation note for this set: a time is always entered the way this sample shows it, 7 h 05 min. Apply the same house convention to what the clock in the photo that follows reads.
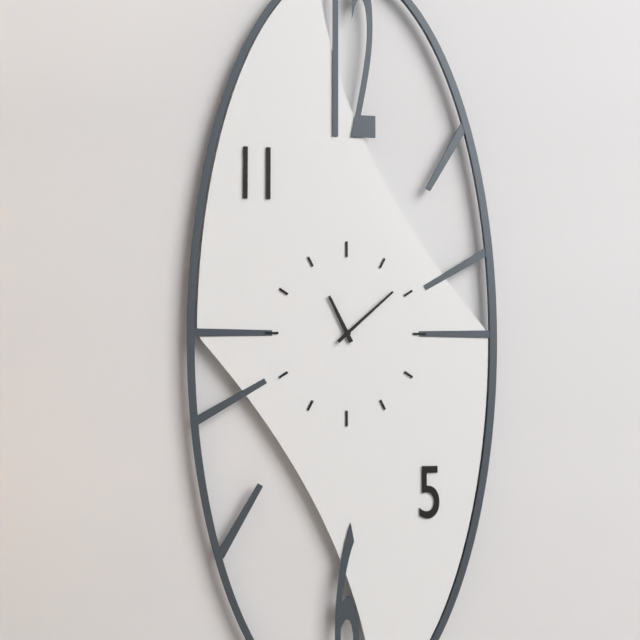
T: 11 h 08 min
